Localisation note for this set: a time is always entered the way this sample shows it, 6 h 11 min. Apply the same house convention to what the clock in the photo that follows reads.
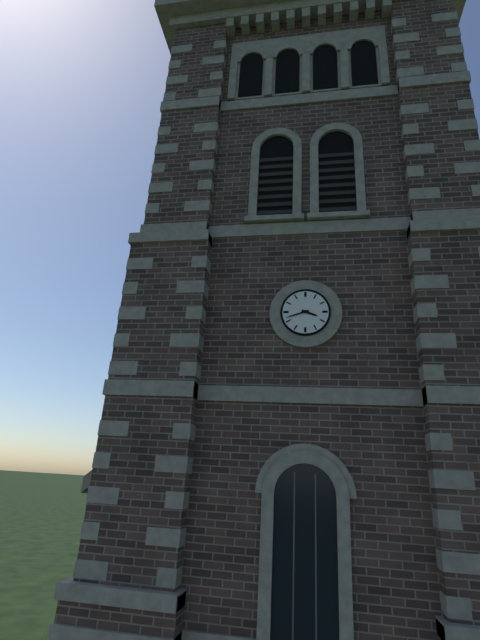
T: 3 h 42 min
